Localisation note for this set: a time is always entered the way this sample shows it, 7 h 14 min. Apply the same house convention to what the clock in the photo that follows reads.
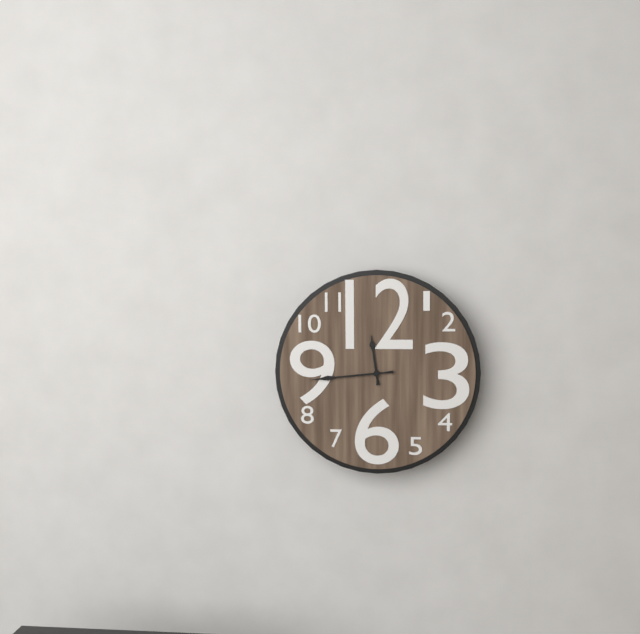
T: 11 h 44 min
